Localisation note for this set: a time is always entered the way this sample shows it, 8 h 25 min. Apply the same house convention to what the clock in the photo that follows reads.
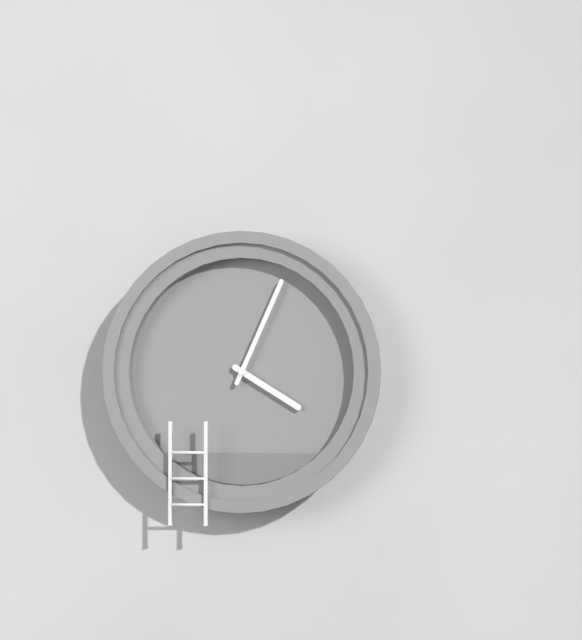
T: 4 h 04 min
